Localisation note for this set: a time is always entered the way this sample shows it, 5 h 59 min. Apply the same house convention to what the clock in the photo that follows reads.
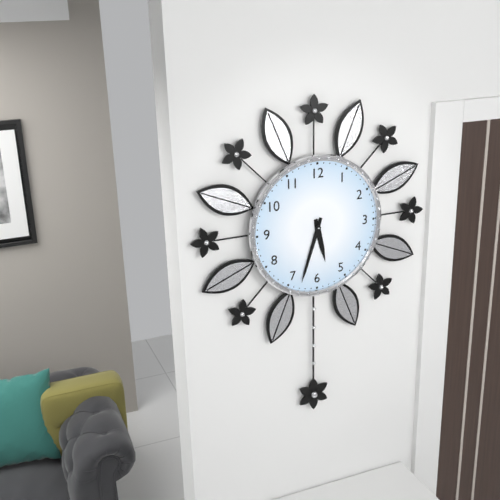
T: 5 h 33 min
